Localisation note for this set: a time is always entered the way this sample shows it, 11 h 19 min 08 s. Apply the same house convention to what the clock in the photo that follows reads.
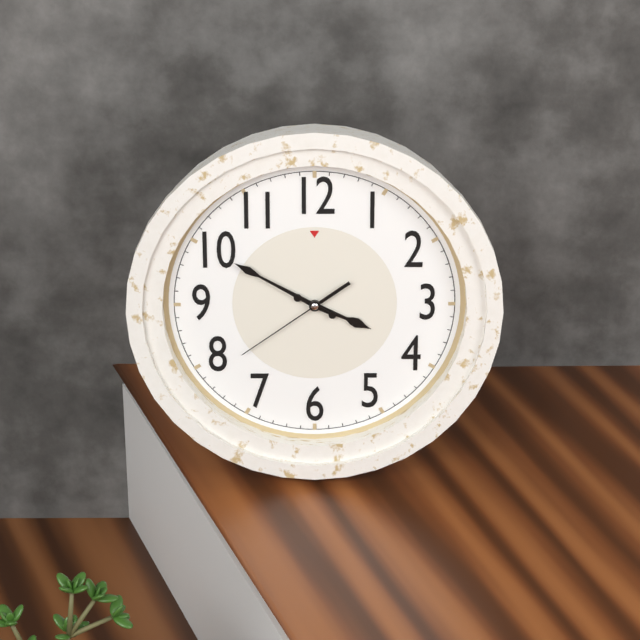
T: 3 h 50 min 39 s
